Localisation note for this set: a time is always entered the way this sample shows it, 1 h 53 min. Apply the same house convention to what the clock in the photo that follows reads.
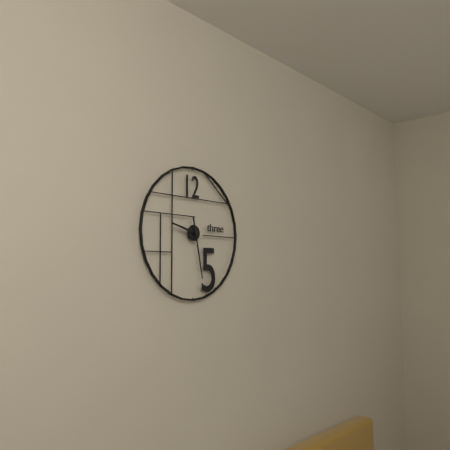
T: 9 h 28 min
